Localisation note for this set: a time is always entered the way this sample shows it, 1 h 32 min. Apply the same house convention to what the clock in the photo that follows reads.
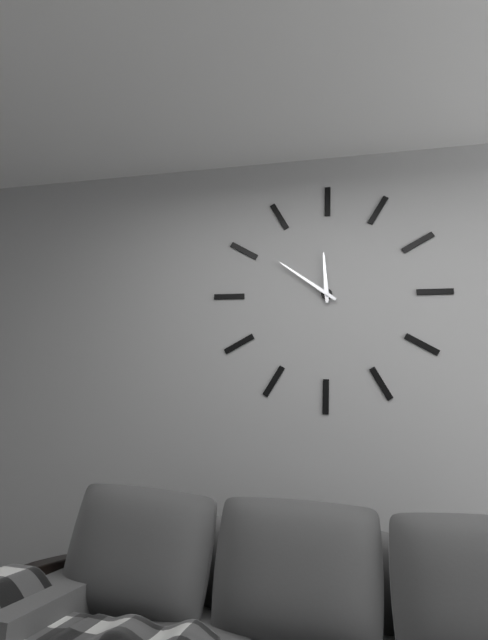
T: 11 h 51 min
